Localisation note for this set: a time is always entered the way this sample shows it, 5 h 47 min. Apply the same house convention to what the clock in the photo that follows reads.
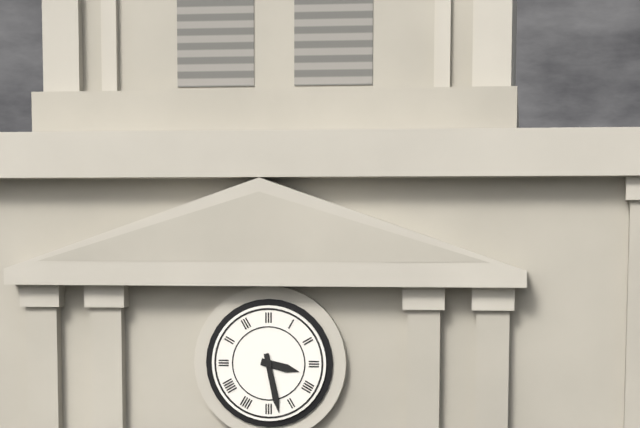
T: 3 h 28 min
